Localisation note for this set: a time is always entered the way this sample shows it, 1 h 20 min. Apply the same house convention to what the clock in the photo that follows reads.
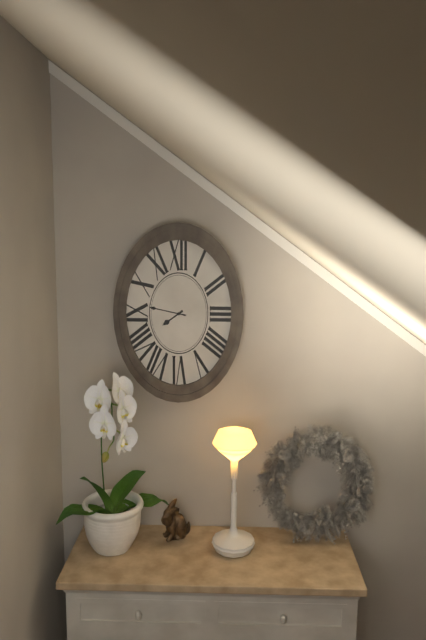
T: 7 h 47 min
